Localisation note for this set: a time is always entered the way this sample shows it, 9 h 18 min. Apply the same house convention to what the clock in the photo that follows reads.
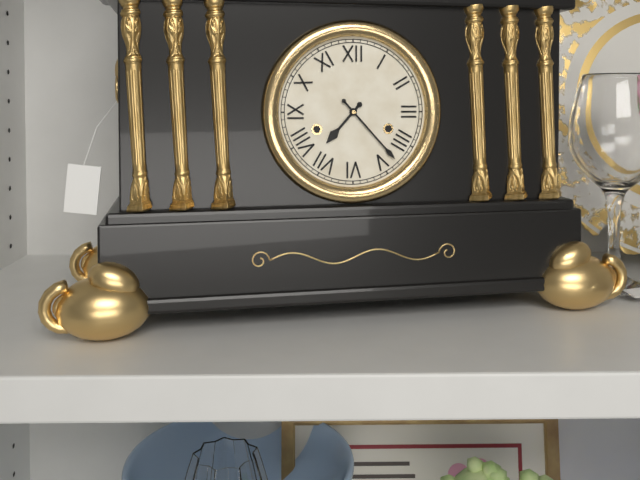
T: 7 h 23 min
